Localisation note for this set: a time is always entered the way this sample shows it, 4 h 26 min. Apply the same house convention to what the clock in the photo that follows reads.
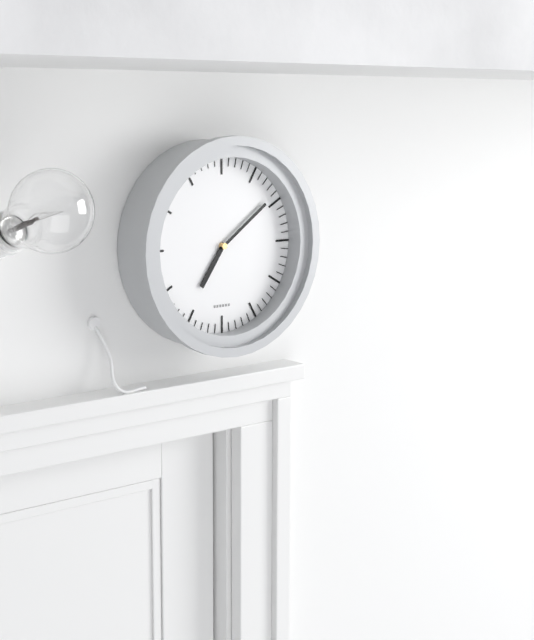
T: 7 h 09 min
